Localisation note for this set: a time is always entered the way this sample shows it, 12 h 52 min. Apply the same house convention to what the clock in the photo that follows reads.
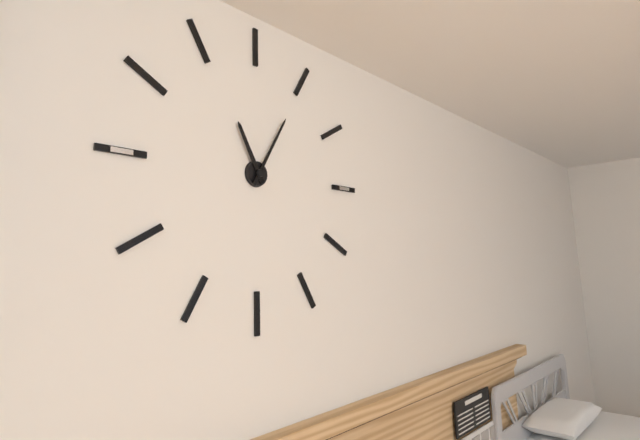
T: 11 h 05 min
